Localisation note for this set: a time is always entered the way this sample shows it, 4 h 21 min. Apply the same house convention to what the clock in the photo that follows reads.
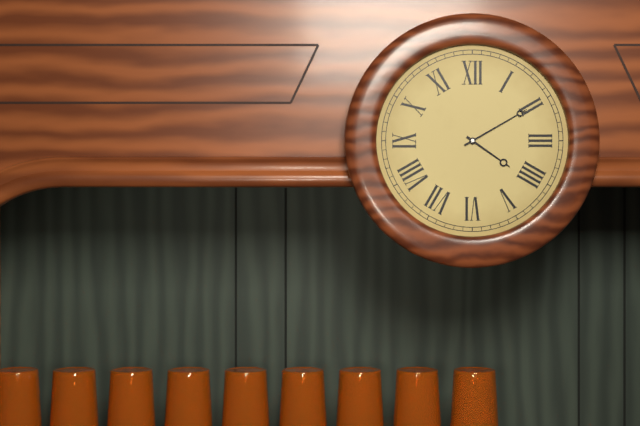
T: 4 h 10 min
